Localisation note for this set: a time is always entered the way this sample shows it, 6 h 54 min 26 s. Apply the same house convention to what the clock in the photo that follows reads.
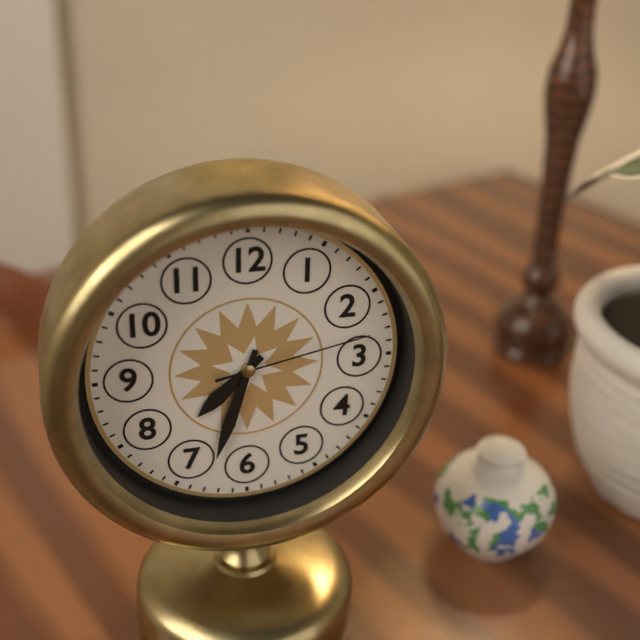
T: 7 h 33 min 13 s
